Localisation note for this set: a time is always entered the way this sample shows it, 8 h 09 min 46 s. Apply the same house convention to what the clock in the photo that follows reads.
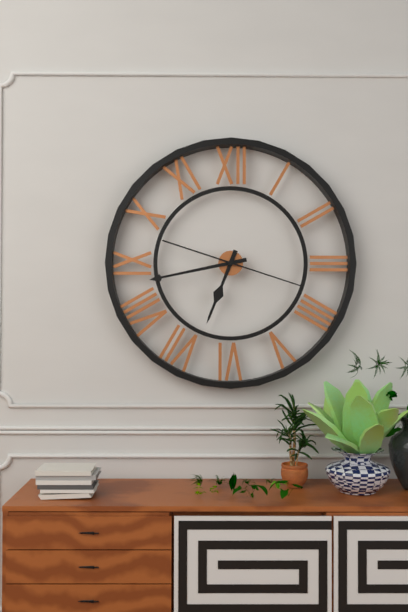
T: 6 h 43 min 18 s
